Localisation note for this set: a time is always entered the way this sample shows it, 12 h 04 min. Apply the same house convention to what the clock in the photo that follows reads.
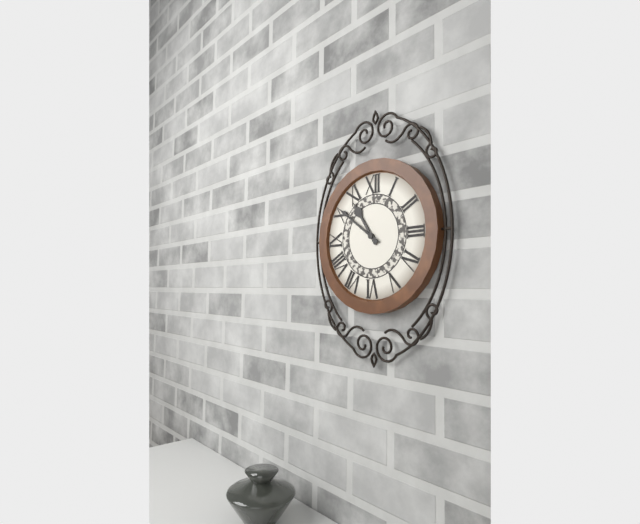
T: 10 h 51 min
